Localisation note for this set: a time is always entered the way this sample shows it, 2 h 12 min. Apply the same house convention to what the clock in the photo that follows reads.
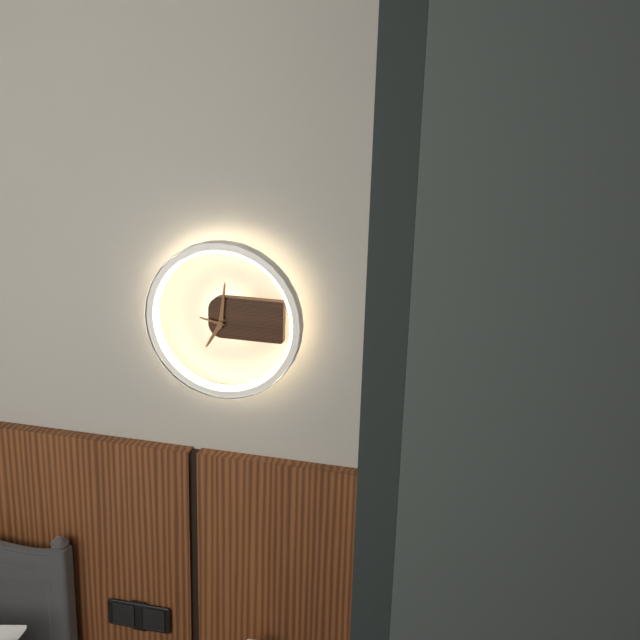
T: 7 h 01 min
